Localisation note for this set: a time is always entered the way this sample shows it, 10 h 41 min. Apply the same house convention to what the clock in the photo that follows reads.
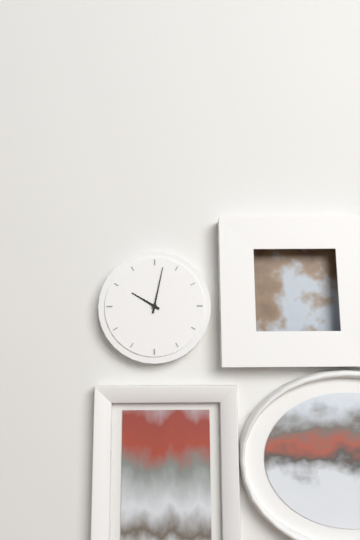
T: 10 h 02 min
